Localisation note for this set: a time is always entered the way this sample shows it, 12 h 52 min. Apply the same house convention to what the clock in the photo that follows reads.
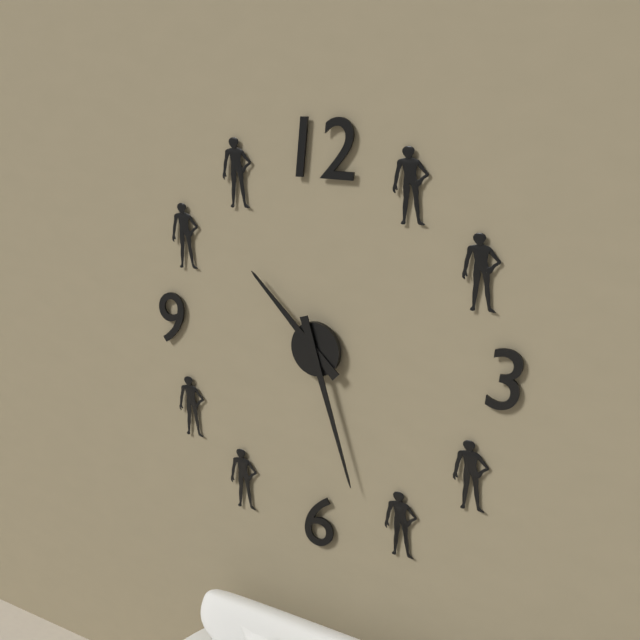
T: 10 h 27 min
